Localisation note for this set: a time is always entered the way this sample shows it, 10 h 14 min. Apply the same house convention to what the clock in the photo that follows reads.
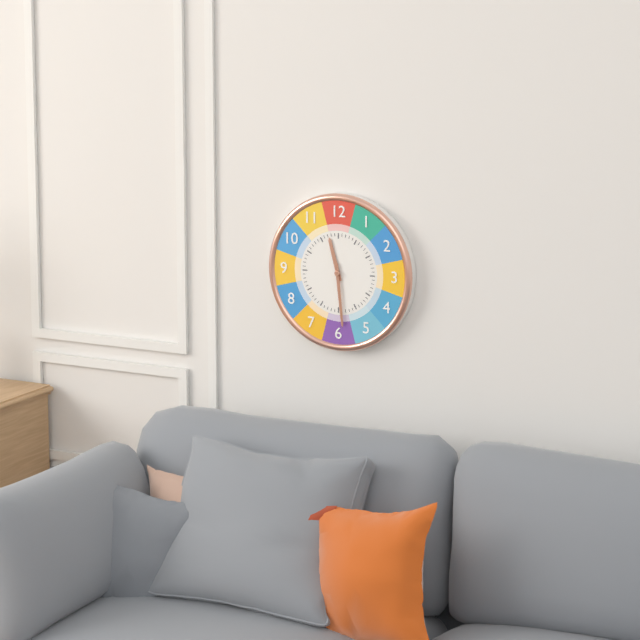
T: 11 h 29 min
